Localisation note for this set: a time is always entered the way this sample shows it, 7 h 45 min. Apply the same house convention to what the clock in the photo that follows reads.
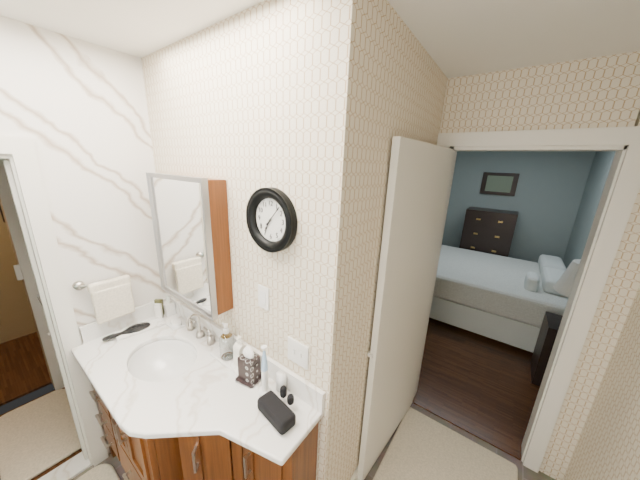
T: 7 h 07 min
